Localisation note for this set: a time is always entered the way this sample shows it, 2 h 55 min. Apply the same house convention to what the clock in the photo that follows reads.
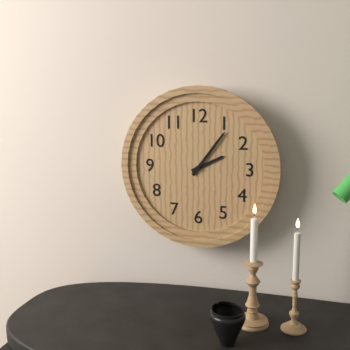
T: 2 h 06 min
